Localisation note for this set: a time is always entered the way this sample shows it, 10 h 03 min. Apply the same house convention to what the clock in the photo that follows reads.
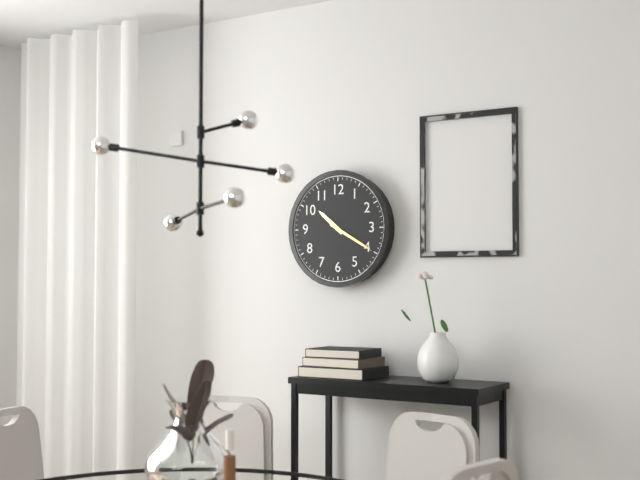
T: 10 h 20 min
